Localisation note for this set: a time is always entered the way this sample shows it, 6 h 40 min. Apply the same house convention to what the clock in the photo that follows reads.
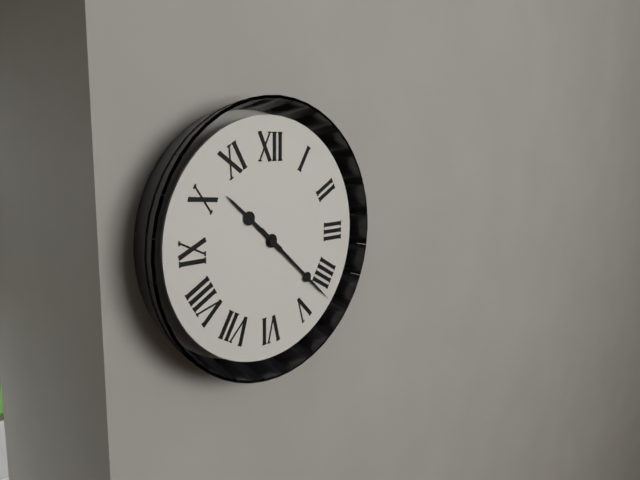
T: 10 h 22 min
